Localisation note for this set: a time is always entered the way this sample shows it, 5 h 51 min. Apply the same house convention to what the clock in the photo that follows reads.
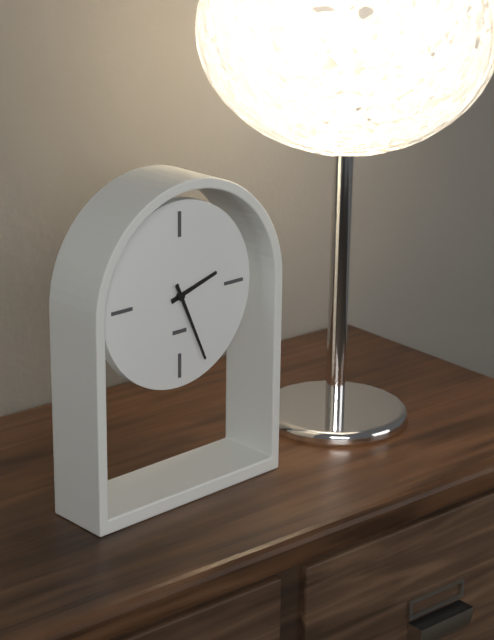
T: 2 h 26 min
